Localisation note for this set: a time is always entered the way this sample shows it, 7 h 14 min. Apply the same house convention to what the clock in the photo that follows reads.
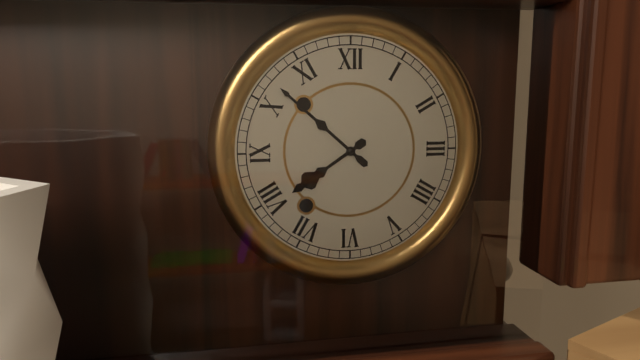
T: 7 h 52 min
